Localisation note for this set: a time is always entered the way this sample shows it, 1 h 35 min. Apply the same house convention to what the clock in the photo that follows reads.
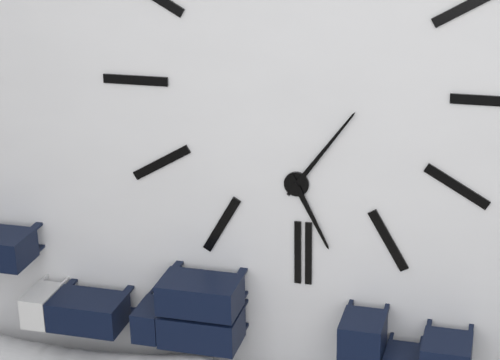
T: 5 h 06 min
